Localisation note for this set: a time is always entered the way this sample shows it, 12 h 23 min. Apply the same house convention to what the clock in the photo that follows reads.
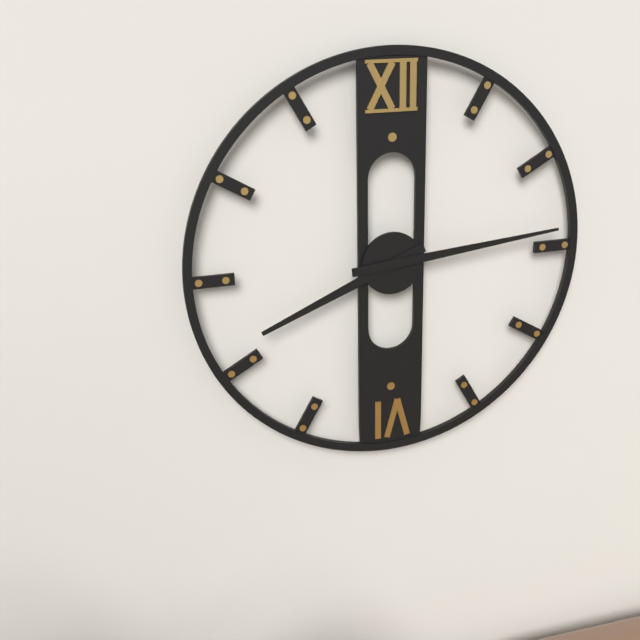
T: 8 h 14 min
